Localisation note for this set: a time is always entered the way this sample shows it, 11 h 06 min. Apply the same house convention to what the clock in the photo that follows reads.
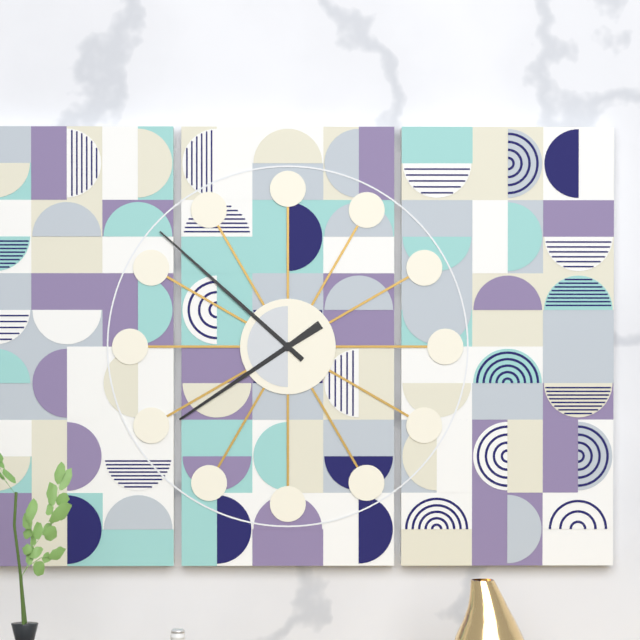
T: 7 h 52 min
